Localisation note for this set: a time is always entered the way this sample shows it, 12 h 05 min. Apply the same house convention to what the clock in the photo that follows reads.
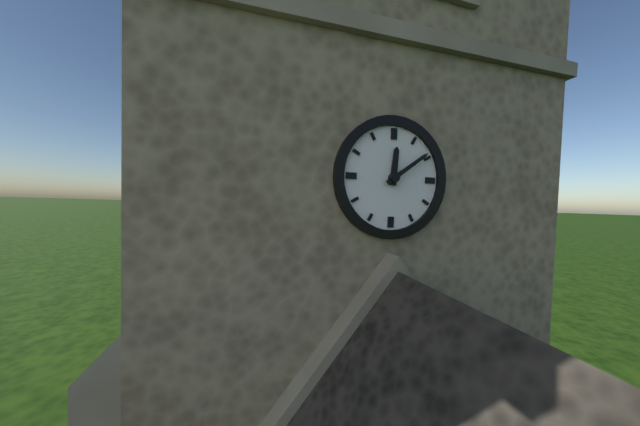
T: 12 h 09 min
